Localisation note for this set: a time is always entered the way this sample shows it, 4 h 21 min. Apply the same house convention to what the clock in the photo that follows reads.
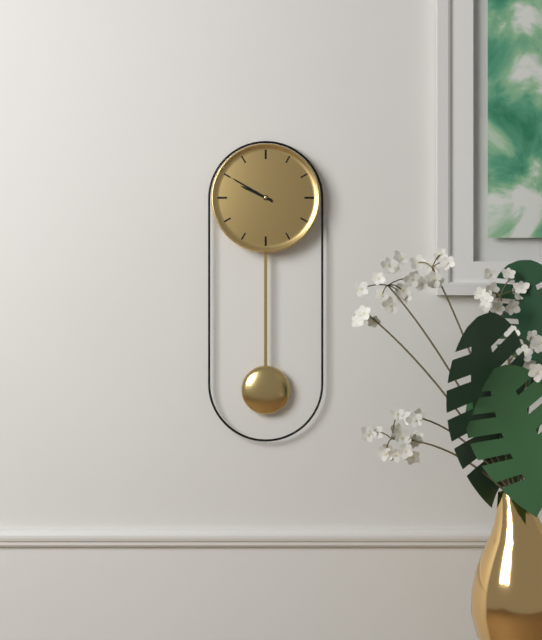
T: 9 h 50 min
